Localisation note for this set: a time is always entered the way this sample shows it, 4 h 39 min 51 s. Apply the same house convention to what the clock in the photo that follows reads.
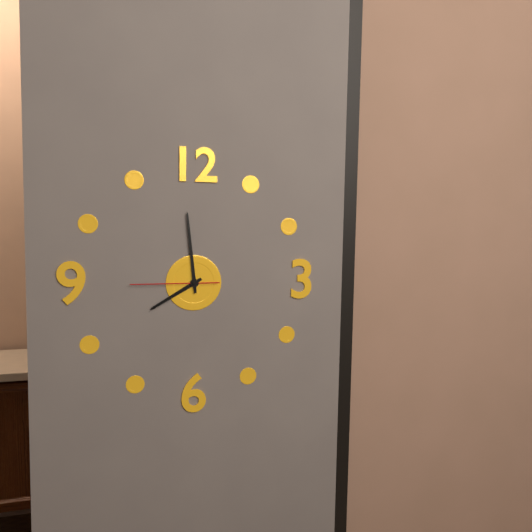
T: 7 h 59 min 45 s
